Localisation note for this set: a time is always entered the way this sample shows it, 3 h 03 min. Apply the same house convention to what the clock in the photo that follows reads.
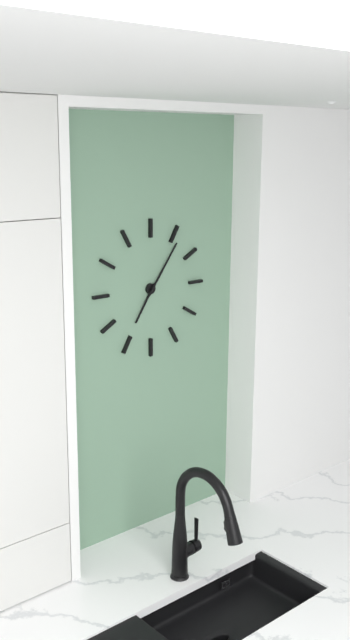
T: 7 h 06 min
